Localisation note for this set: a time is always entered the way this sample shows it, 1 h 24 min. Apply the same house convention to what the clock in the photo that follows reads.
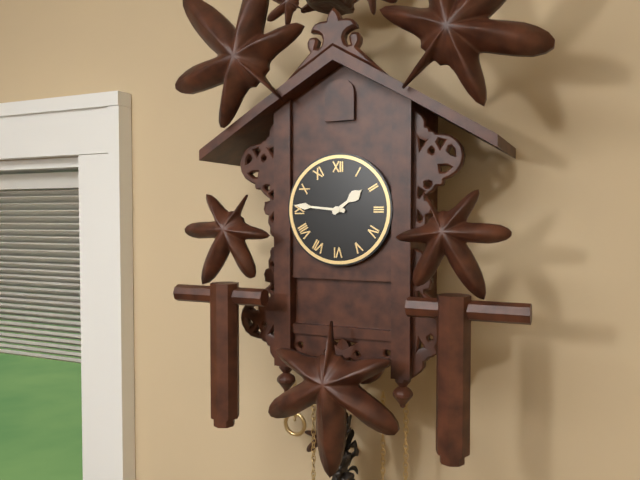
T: 1 h 46 min
